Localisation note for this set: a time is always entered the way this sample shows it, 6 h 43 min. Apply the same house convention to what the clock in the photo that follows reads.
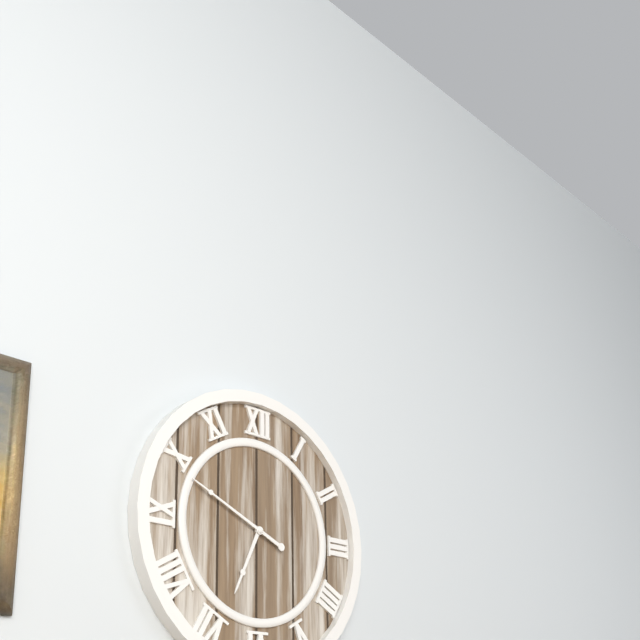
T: 6 h 49 min
